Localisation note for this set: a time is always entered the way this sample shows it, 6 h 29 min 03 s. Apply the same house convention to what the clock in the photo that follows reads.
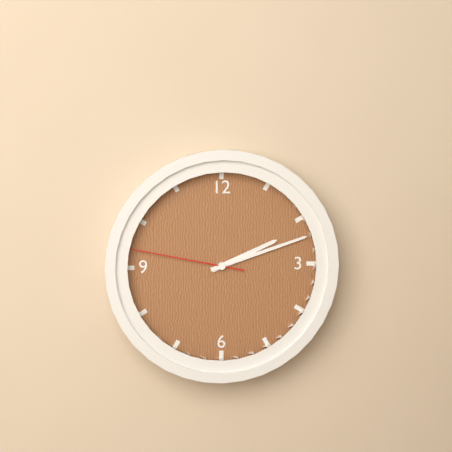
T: 2 h 12 min 47 s
